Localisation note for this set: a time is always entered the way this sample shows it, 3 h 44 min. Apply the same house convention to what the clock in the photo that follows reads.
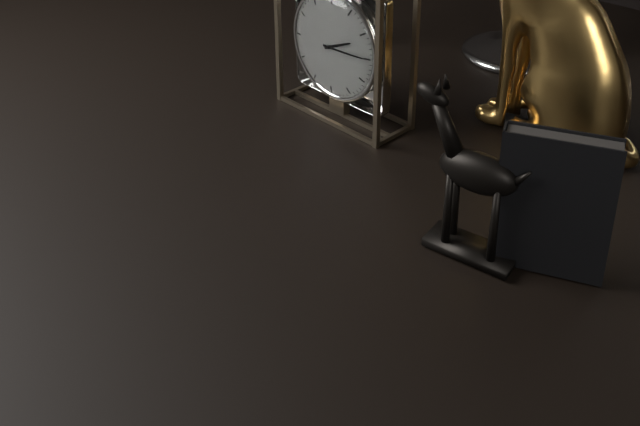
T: 2 h 15 min
